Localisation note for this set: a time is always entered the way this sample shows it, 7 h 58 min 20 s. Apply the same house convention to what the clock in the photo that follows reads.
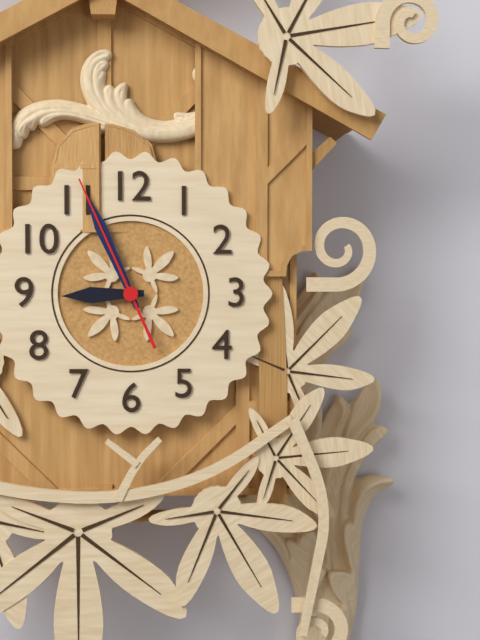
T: 8 h 56 min 56 s
